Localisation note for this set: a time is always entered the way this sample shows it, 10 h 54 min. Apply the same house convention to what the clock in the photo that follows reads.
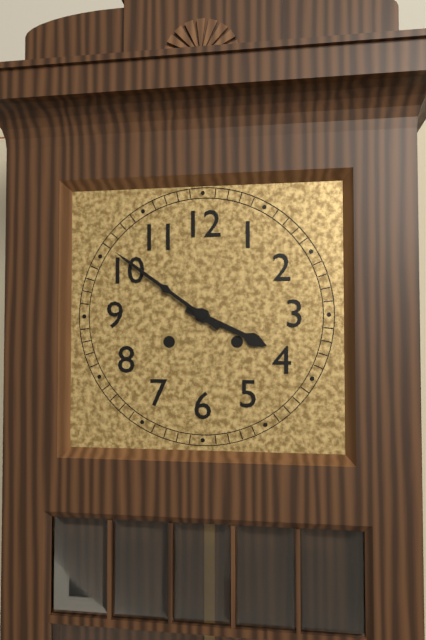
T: 3 h 51 min
